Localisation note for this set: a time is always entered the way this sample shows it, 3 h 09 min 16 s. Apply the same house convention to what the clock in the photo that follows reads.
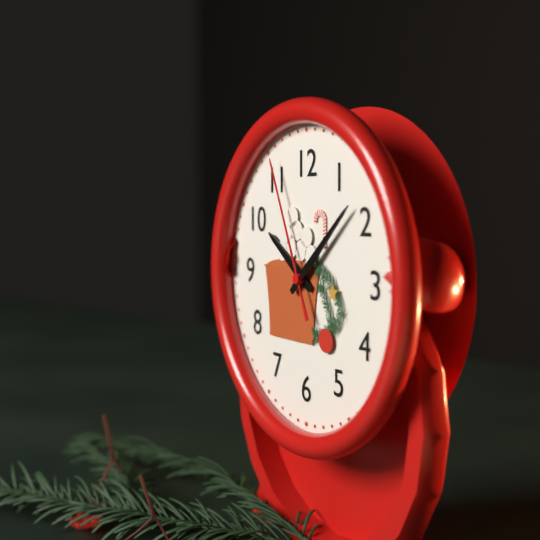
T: 10 h 08 min 56 s
